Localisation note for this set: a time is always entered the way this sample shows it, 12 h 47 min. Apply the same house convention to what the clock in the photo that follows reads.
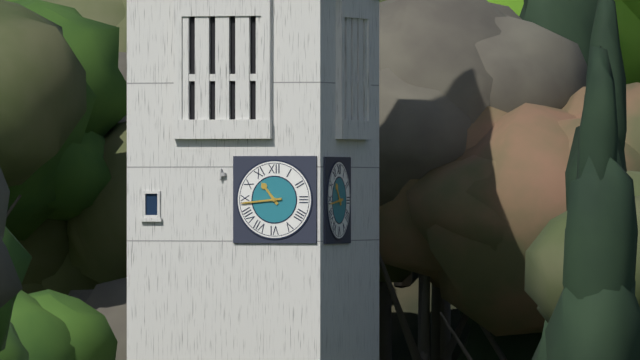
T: 10 h 44 min
